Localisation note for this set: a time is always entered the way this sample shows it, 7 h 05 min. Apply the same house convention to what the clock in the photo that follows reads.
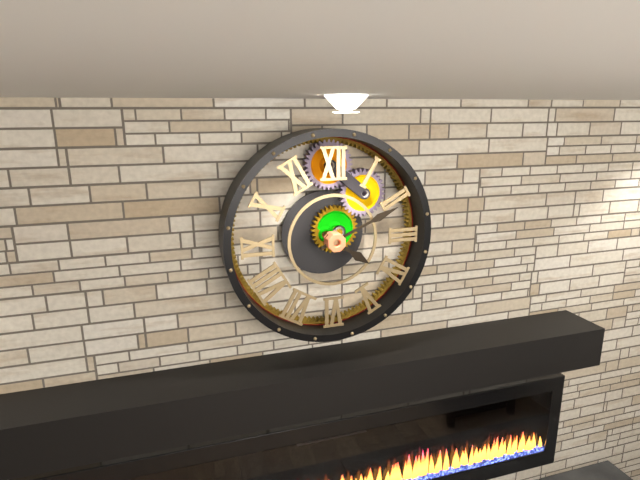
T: 4 h 11 min
